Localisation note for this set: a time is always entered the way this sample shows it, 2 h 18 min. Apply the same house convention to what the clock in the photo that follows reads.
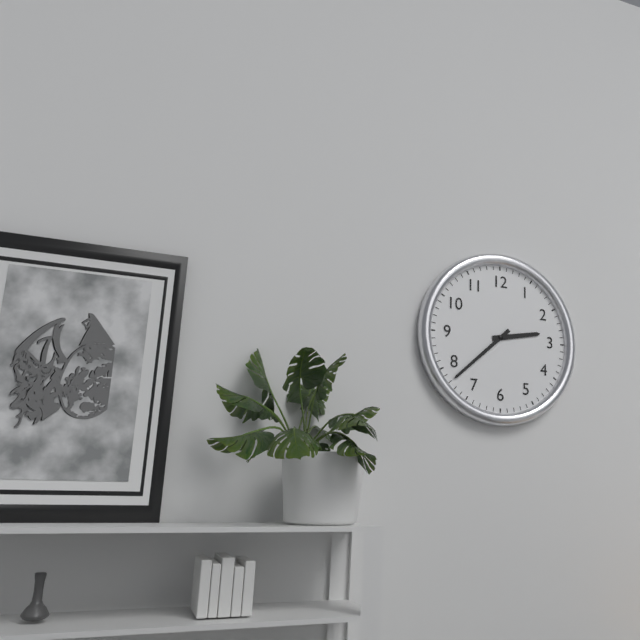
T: 2 h 38 min
